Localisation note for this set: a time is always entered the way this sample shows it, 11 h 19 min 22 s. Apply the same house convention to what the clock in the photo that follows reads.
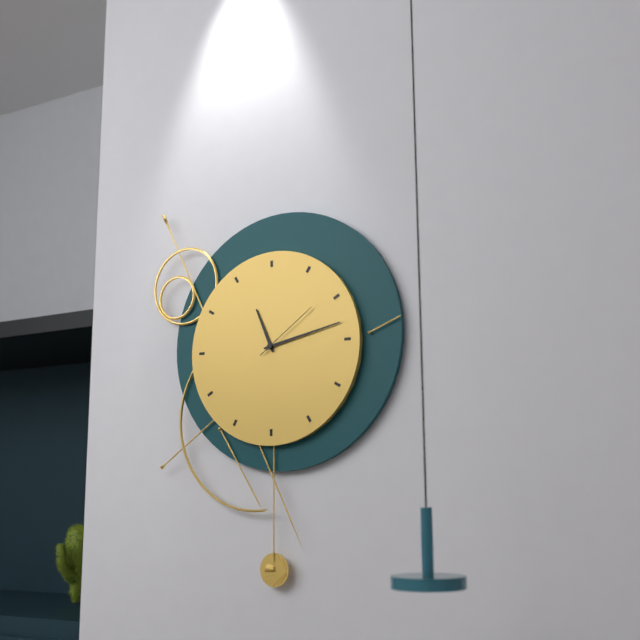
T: 11 h 13 min 09 s
